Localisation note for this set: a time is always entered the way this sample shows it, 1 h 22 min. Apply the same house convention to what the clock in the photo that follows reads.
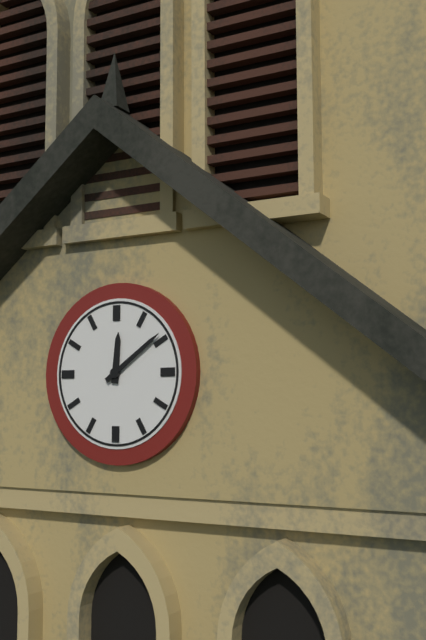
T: 12 h 09 min
